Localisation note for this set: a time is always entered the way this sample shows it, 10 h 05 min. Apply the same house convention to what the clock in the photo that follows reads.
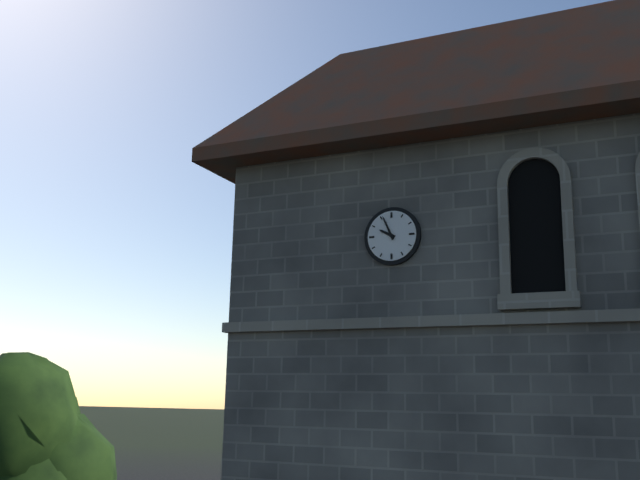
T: 9 h 56 min
